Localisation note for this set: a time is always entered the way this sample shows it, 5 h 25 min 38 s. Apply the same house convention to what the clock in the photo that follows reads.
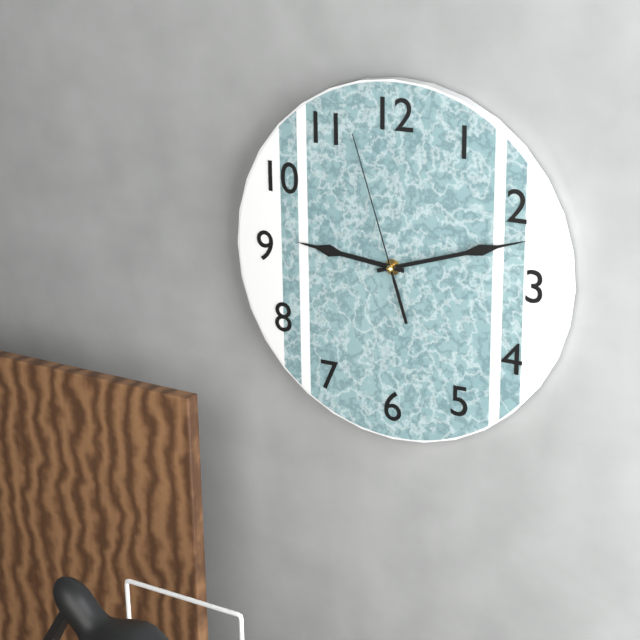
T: 9 h 12 min 57 s
